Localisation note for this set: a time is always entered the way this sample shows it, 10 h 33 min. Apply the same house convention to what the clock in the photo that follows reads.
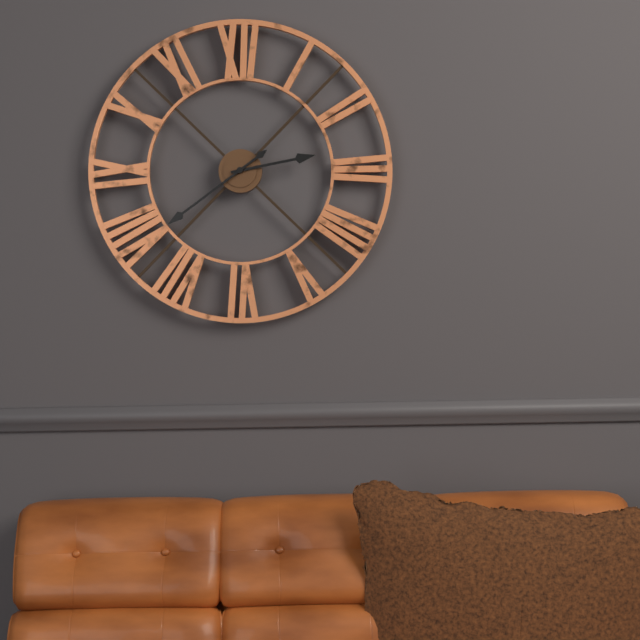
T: 2 h 39 min
